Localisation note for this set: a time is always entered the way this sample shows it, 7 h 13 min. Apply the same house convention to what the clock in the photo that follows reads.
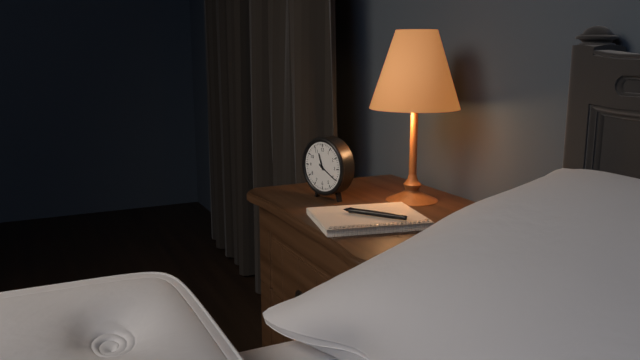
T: 11 h 20 min
